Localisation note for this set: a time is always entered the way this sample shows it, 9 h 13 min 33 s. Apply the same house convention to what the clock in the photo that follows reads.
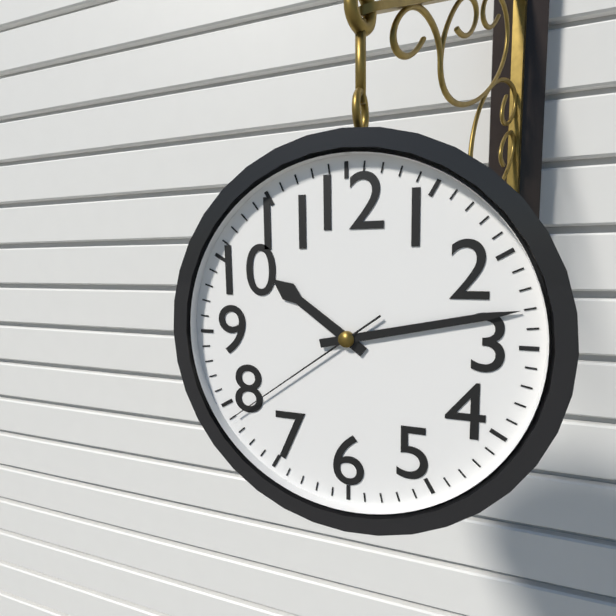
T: 10 h 13 min 39 s
